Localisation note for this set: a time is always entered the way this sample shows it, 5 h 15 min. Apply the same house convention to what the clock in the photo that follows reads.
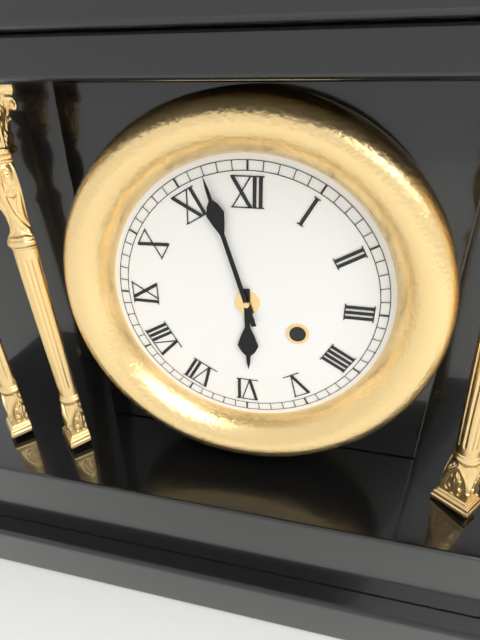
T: 5 h 57 min
